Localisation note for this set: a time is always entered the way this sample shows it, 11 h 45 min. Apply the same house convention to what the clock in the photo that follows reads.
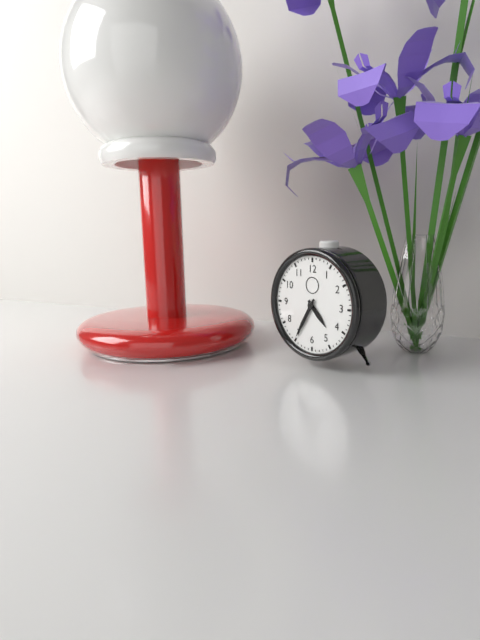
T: 4 h 35 min
